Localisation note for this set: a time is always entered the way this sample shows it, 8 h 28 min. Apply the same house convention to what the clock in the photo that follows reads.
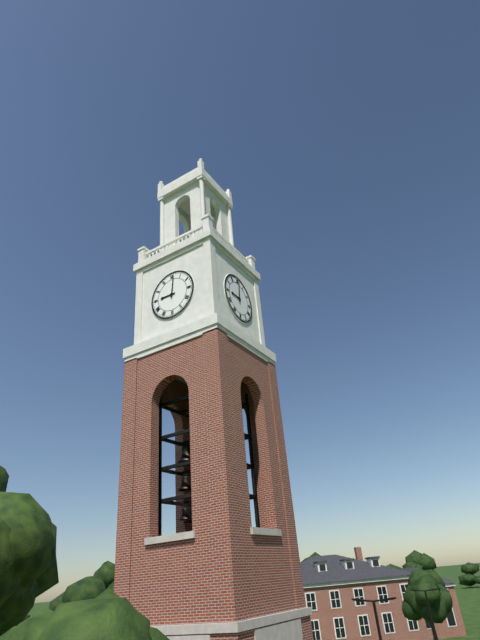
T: 9 h 01 min
